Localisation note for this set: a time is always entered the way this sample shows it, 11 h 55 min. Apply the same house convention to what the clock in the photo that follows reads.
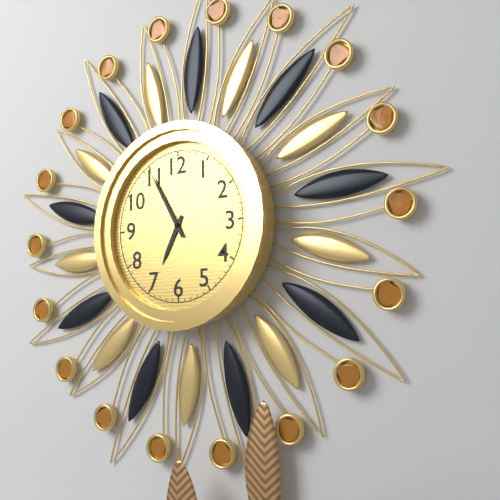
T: 6 h 55 min
